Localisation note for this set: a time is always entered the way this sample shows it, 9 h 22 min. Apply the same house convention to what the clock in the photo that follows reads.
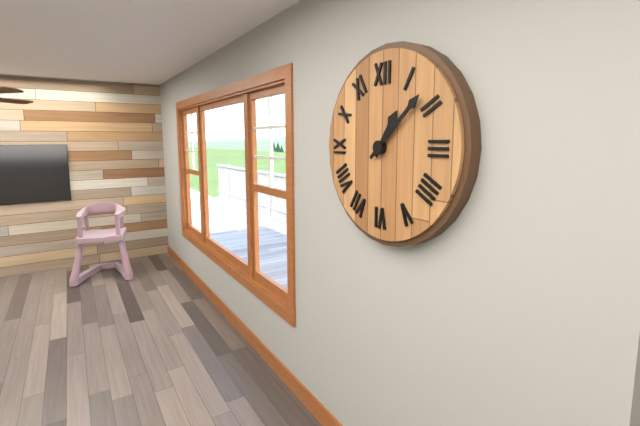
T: 1 h 08 min
